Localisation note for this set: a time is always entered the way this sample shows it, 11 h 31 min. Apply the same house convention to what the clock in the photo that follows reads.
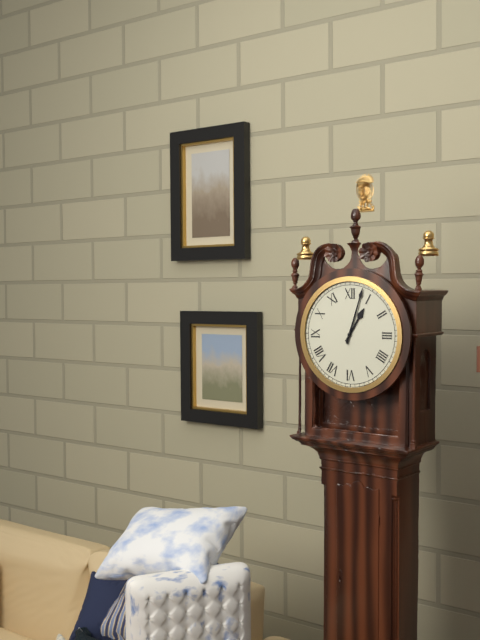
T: 1 h 03 min
